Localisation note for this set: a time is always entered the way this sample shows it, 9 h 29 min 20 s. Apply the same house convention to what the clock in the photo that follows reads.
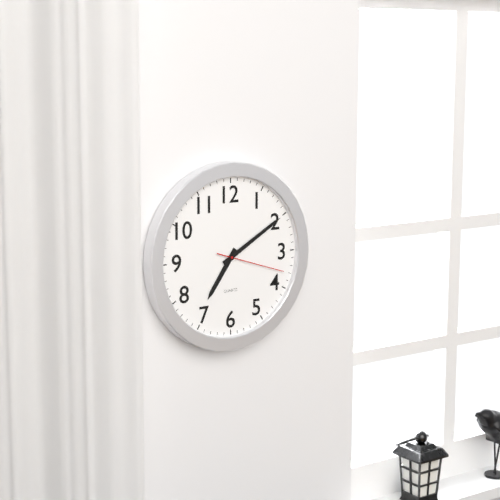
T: 7 h 10 min 18 s
